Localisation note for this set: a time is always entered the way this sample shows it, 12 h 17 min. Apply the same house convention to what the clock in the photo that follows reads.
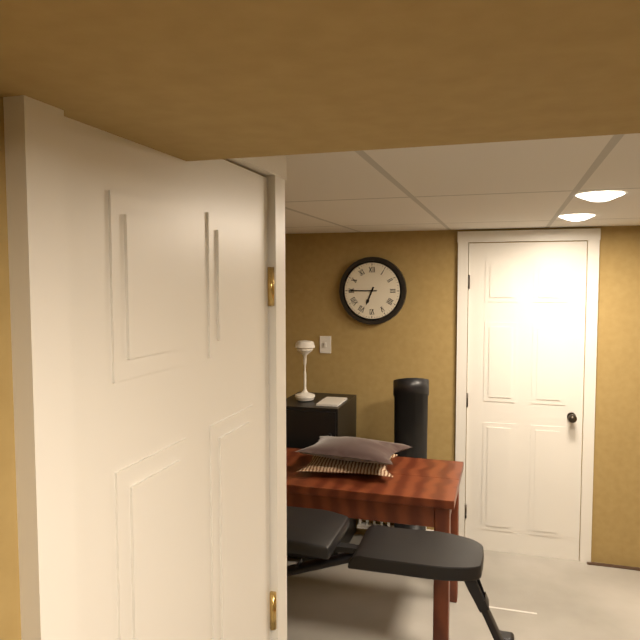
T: 6 h 45 min
